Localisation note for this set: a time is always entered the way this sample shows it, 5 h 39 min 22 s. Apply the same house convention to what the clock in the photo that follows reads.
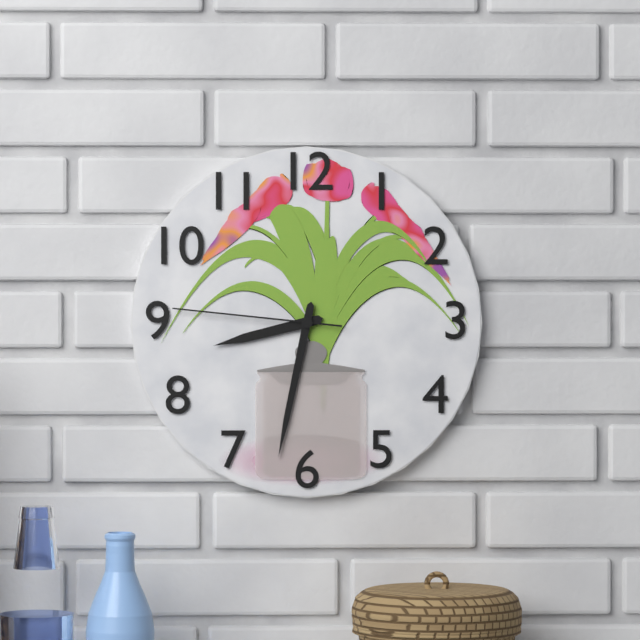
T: 8 h 32 min 46 s
